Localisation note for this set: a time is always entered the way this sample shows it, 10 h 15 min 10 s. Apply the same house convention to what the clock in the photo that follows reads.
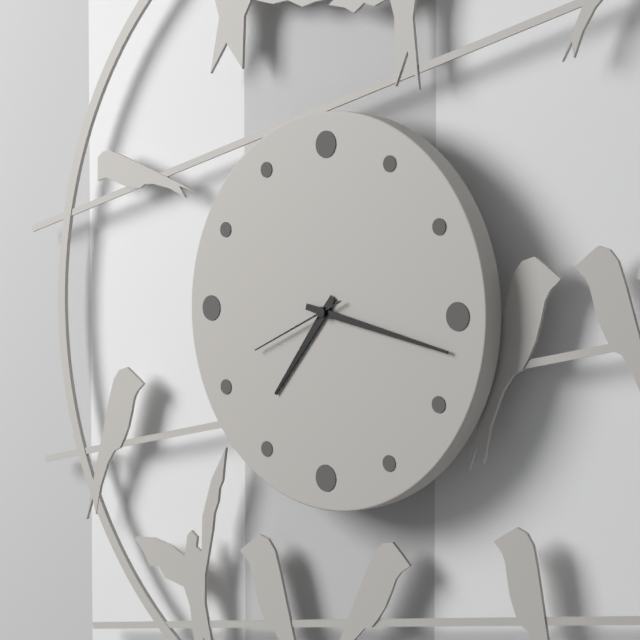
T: 7 h 17 min 41 s
